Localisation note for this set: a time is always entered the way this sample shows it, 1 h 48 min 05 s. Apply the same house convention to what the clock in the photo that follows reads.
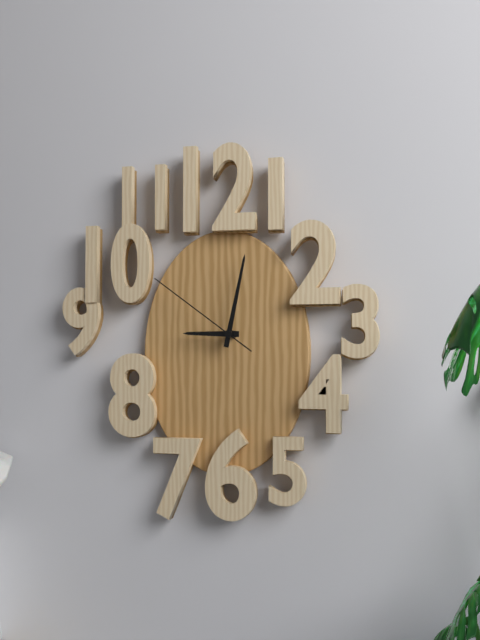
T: 9 h 02 min 51 s
